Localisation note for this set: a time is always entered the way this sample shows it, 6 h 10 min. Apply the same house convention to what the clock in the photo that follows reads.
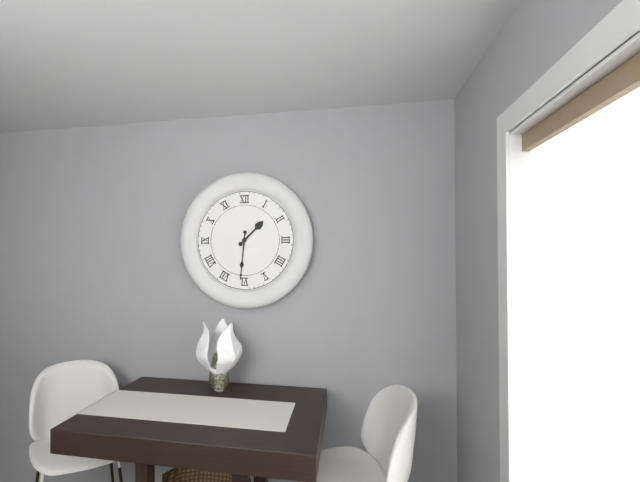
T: 1 h 31 min
